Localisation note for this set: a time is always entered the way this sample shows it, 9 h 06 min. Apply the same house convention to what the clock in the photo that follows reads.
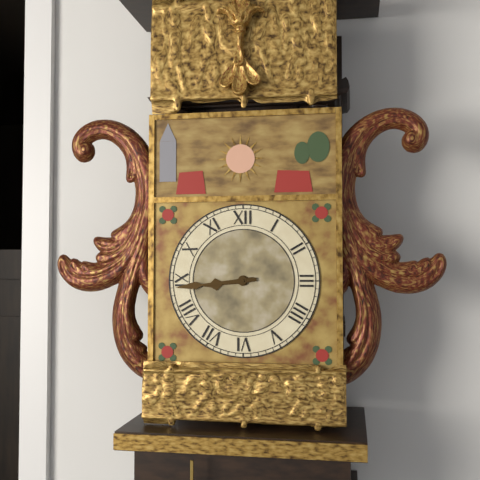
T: 8 h 44 min
